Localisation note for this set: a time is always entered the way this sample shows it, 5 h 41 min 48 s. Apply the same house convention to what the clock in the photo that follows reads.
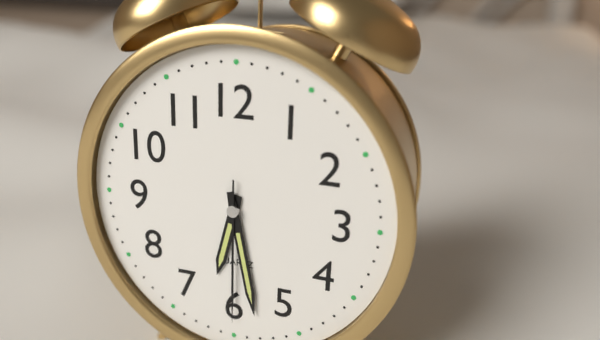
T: 6 h 28 min 30 s
